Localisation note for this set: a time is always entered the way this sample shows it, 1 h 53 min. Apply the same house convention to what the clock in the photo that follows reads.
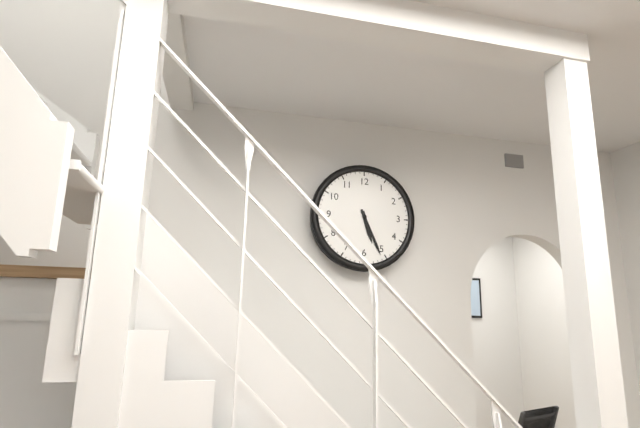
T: 5 h 26 min
